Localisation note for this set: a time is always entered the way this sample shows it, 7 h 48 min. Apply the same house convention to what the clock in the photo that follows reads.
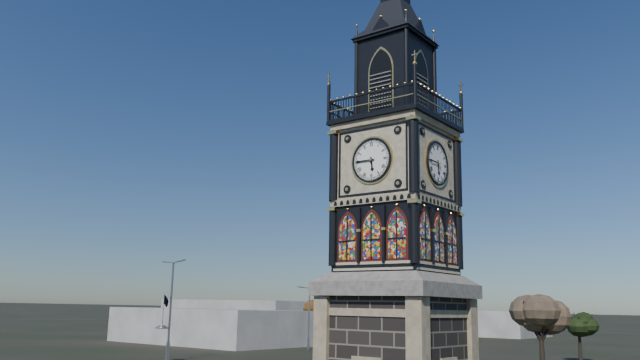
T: 5 h 45 min
